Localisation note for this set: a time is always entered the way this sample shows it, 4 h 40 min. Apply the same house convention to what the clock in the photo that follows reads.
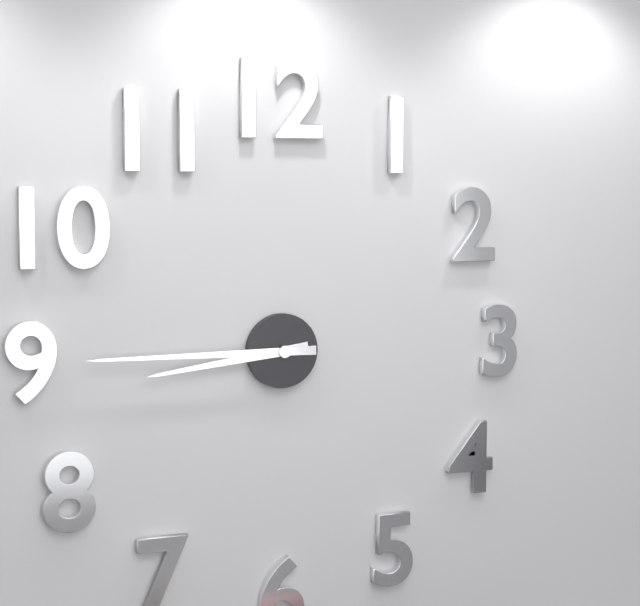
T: 8 h 45 min
